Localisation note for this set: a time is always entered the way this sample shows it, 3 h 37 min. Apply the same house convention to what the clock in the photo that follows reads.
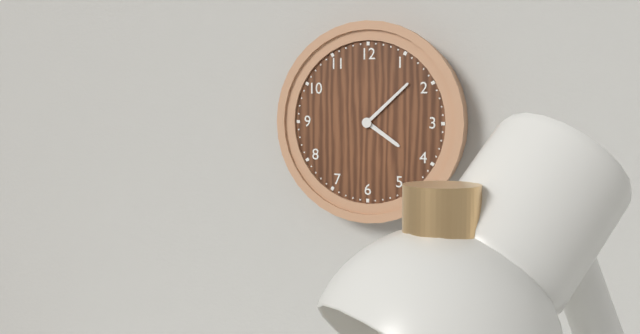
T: 4 h 08 min
